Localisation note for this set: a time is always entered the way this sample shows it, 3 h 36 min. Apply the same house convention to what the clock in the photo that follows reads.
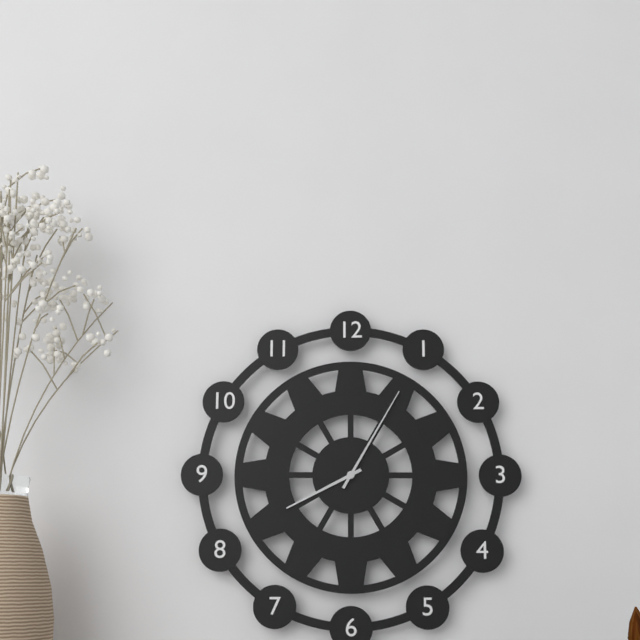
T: 8 h 05 min
